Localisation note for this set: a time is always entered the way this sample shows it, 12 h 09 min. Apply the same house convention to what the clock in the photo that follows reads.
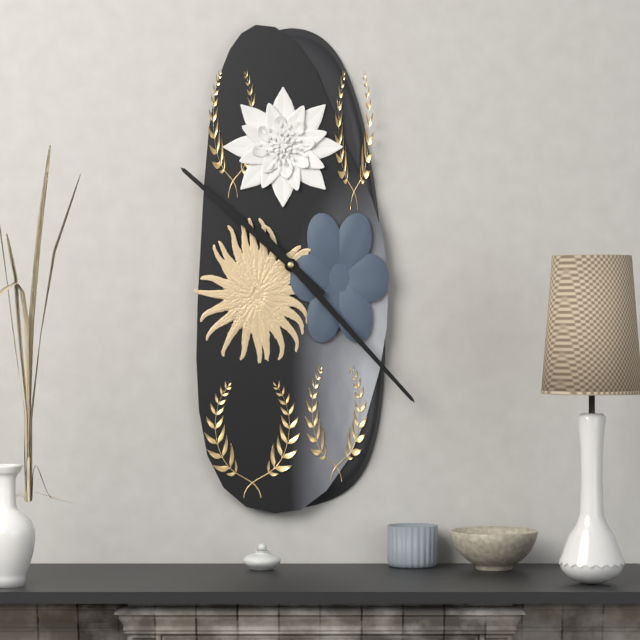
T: 10 h 23 min
